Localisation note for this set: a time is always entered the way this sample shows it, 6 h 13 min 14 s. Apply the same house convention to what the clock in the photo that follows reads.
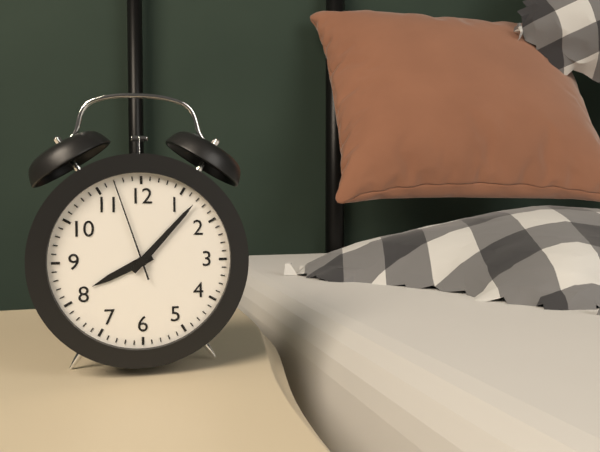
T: 8 h 07 min 57 s
